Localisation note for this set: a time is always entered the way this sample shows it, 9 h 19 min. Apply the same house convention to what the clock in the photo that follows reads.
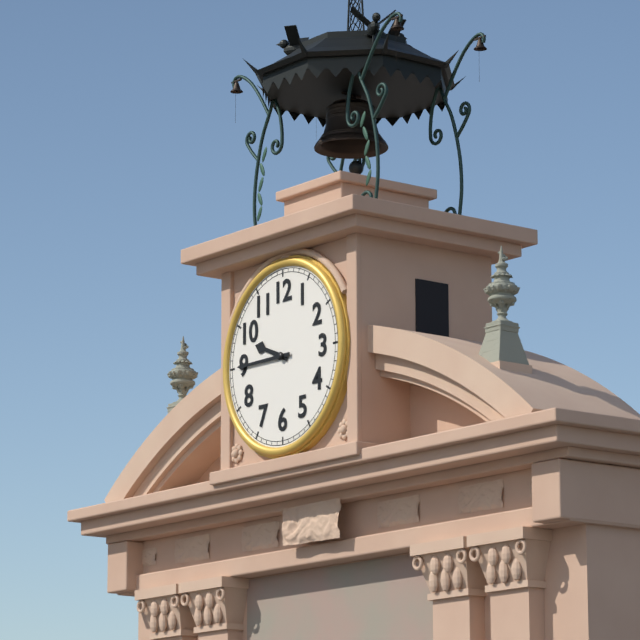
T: 9 h 45 min
